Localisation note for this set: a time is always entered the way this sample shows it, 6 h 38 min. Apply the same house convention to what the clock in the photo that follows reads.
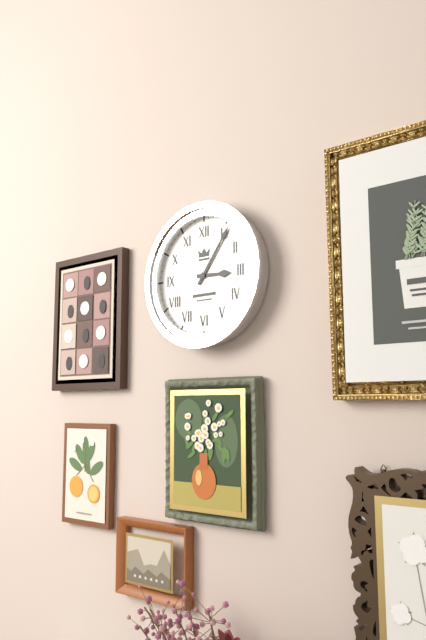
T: 3 h 06 min
